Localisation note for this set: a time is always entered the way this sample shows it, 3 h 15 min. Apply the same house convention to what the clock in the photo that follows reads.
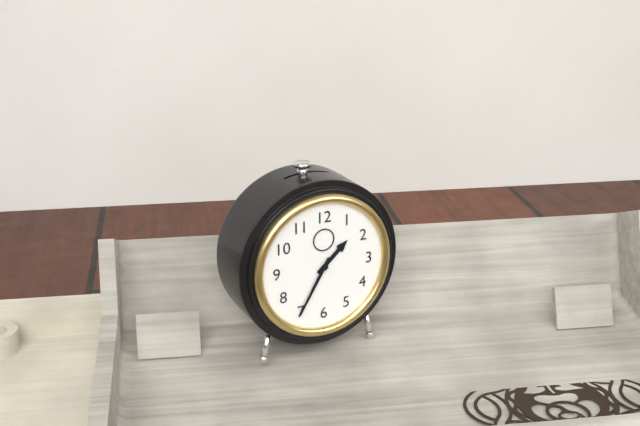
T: 1 h 35 min
